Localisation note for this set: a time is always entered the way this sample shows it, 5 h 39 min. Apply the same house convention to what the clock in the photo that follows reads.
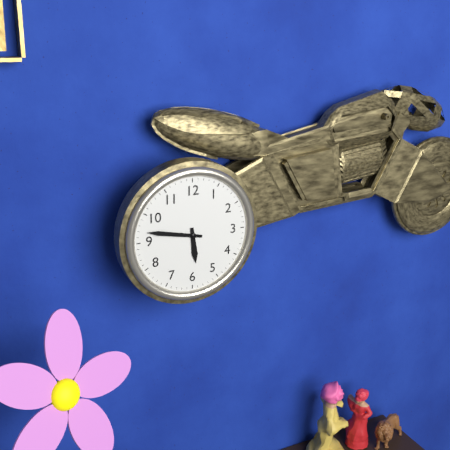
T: 5 h 47 min
